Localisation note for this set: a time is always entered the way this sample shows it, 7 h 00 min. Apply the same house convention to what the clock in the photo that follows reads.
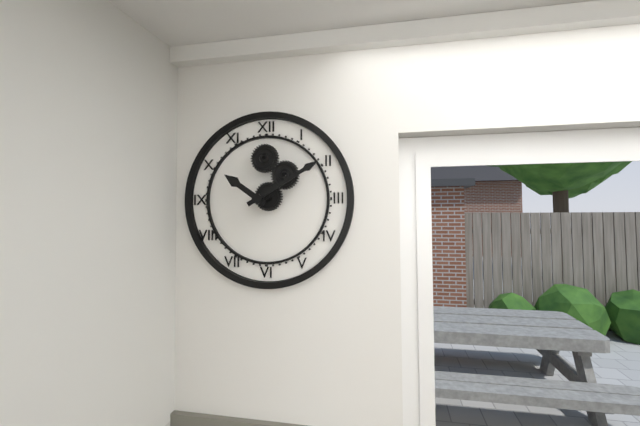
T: 10 h 10 min
